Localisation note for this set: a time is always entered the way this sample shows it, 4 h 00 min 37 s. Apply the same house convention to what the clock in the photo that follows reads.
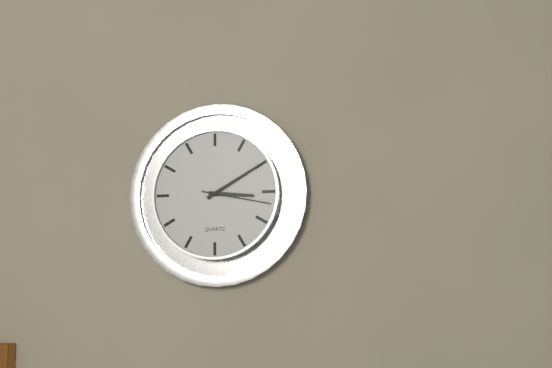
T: 3 h 10 min 17 s
